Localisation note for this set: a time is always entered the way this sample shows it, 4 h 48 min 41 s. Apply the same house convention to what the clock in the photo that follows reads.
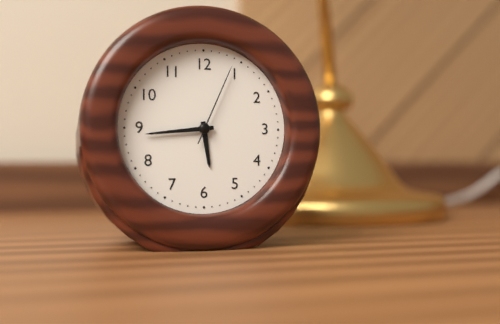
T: 5 h 44 min 04 s
